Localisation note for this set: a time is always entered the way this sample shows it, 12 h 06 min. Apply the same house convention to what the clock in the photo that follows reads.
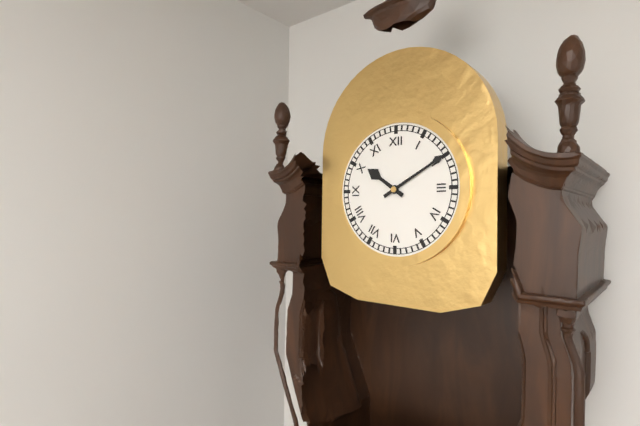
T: 10 h 10 min
